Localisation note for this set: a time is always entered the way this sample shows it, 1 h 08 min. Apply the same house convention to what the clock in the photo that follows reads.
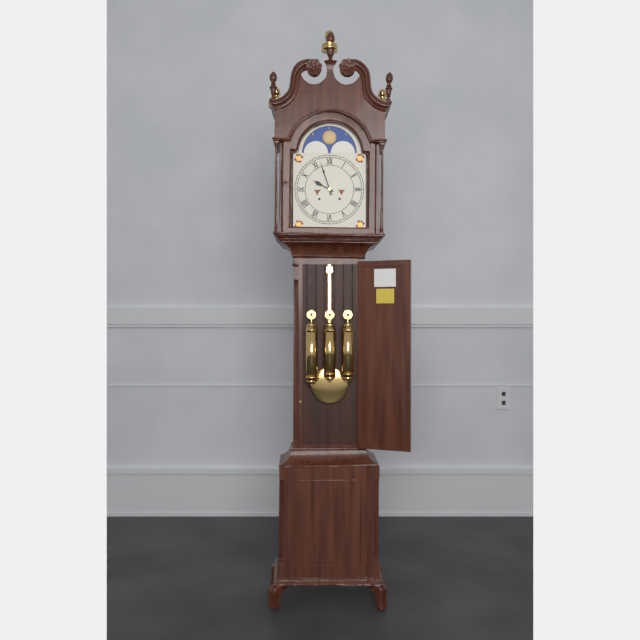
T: 9 h 57 min
